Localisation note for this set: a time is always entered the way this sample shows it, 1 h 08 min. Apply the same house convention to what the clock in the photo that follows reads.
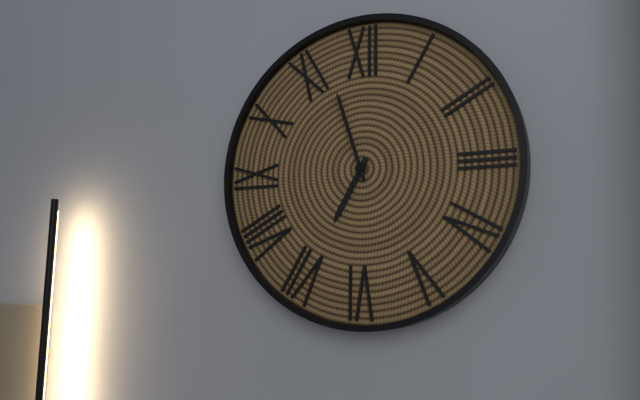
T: 6 h 57 min
